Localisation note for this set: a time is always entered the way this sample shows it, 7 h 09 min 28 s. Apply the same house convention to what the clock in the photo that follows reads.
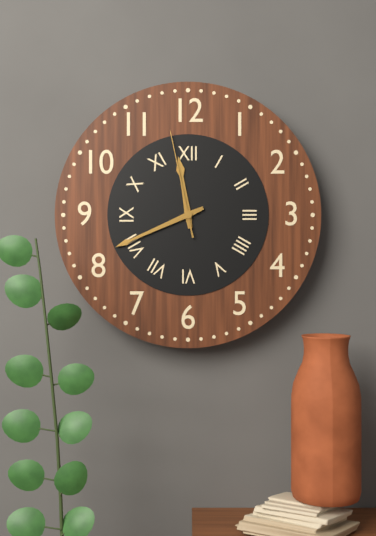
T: 11 h 41 min 58 s
